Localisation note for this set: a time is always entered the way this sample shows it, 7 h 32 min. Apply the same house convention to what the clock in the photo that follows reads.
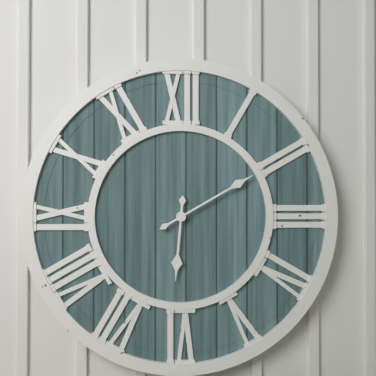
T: 6 h 10 min
